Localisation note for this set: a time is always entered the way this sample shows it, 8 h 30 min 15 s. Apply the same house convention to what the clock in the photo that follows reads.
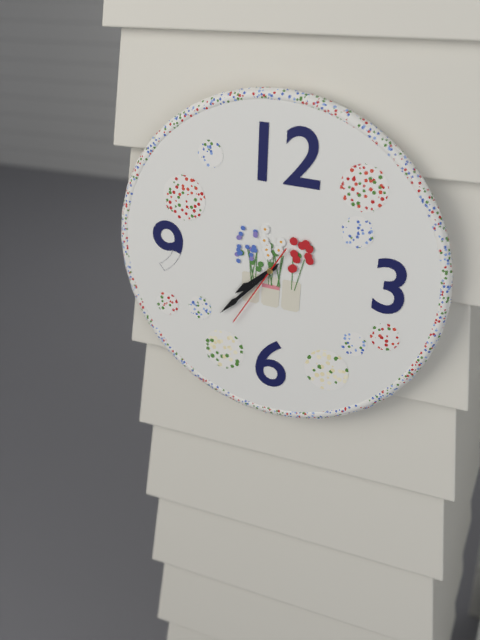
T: 7 h 37 min 35 s
